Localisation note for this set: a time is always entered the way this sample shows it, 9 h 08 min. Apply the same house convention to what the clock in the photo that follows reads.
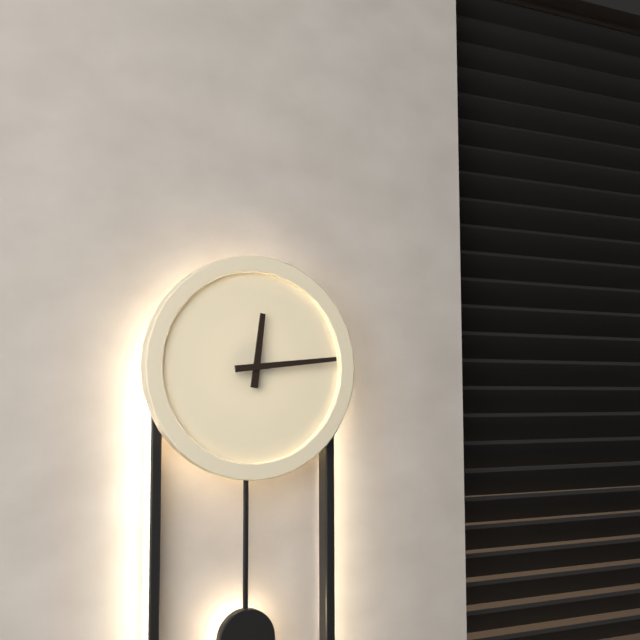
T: 12 h 14 min
